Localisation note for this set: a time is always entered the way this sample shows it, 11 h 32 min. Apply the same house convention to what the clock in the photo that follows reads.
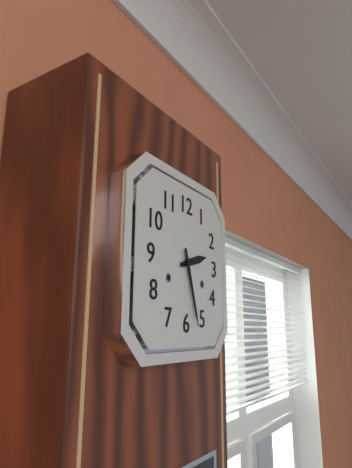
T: 2 h 27 min
